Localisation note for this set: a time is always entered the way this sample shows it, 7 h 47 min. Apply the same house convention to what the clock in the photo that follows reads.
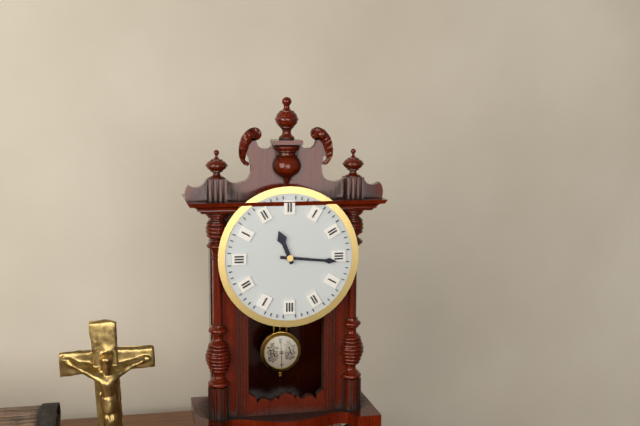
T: 11 h 16 min
